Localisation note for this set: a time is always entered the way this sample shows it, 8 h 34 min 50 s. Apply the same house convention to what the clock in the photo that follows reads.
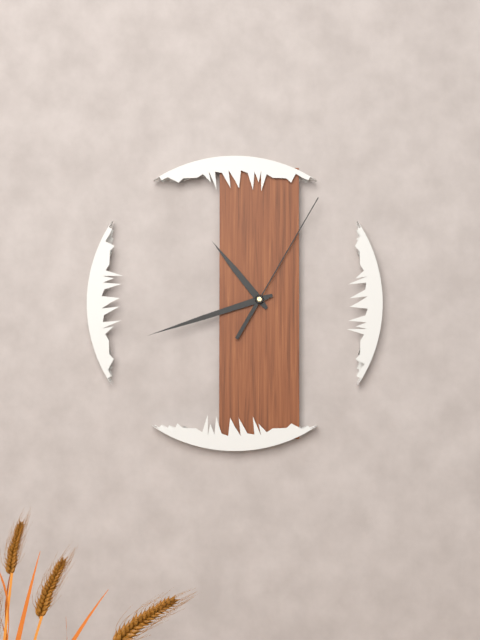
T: 10 h 42 min 05 s
